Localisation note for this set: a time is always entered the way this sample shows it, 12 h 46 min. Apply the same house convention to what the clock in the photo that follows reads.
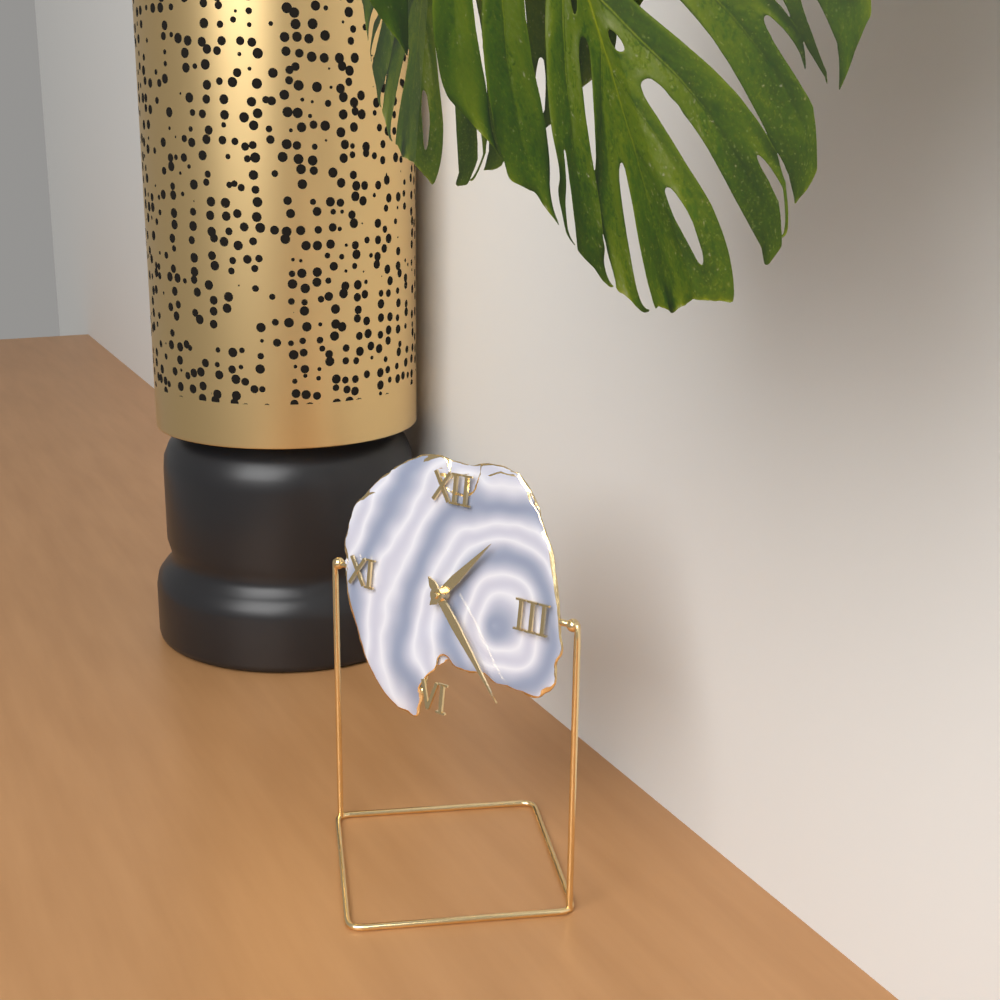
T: 1 h 23 min
